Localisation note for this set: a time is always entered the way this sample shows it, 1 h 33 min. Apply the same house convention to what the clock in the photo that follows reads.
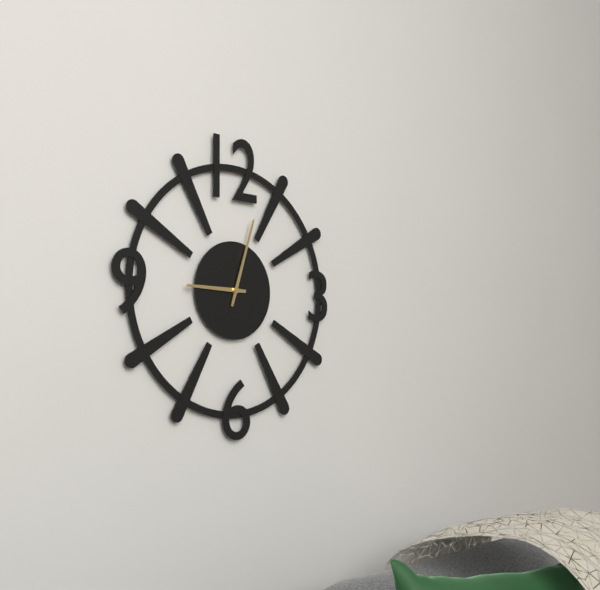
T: 9 h 03 min
